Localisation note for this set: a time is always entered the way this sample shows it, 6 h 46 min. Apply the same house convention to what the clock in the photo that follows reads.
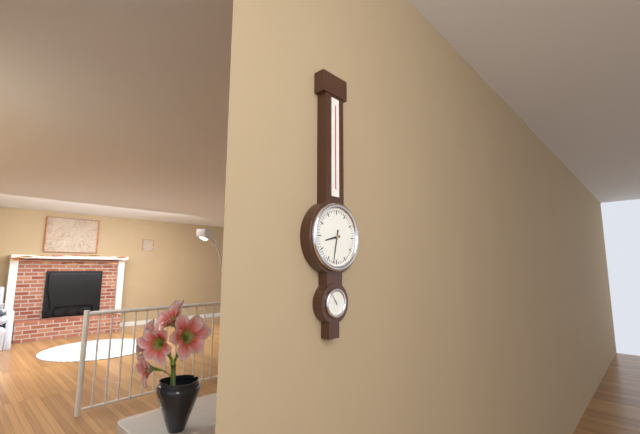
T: 8 h 32 min
